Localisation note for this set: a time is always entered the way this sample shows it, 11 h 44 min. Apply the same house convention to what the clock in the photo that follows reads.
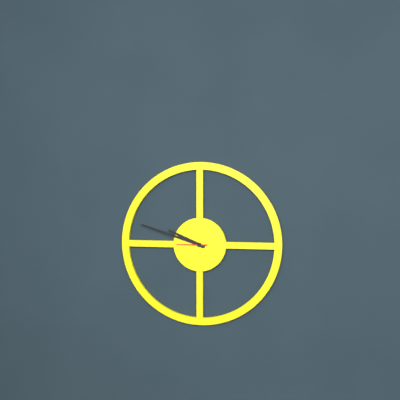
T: 9 h 48 min
